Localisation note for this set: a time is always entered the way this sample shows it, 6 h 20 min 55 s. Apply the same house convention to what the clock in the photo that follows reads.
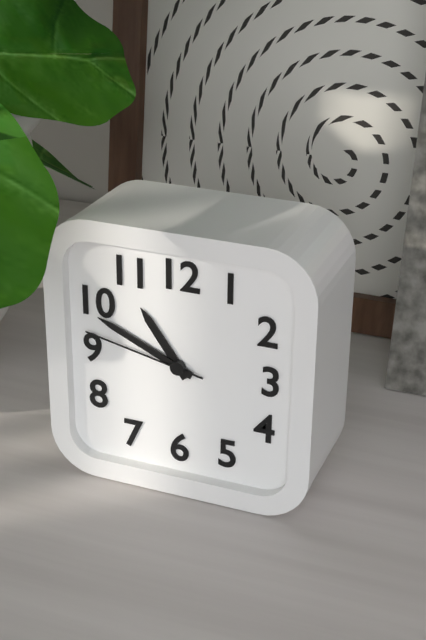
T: 10 h 49 min 47 s
